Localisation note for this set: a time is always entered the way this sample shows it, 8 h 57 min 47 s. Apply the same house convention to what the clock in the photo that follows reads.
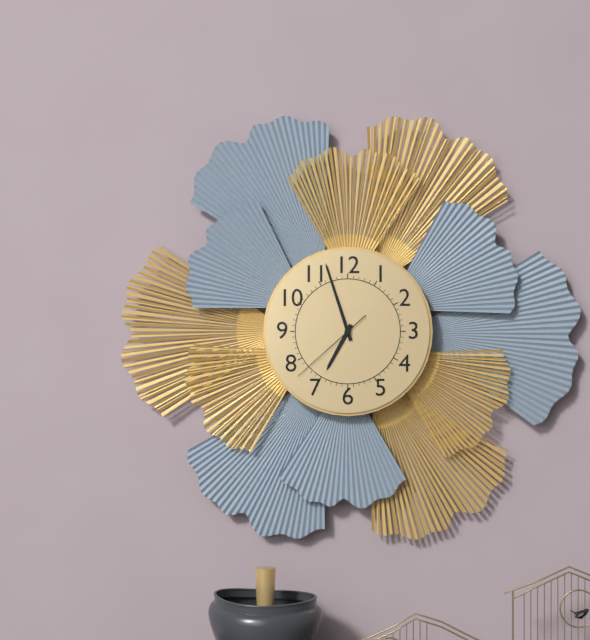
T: 6 h 57 min 38 s
